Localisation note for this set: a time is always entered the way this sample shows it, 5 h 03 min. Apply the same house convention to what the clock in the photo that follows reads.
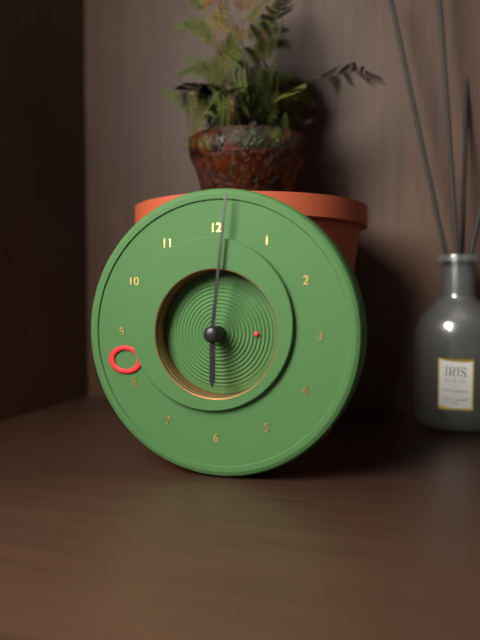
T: 6 h 01 min
